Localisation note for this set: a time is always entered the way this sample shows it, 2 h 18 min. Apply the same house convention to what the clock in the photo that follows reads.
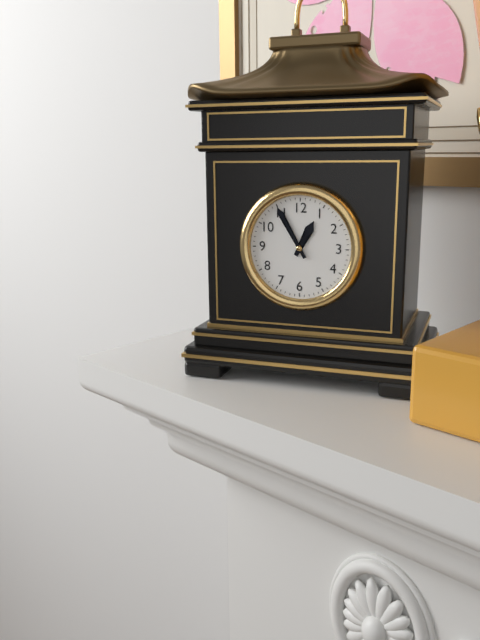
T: 12 h 55 min
